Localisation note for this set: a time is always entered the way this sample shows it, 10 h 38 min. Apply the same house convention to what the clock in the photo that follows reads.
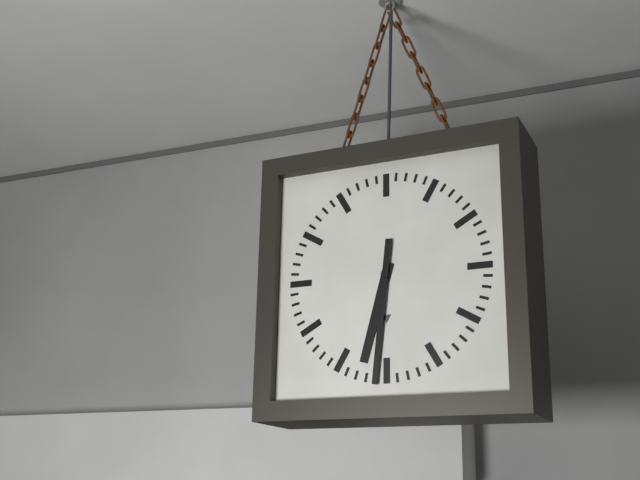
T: 6 h 31 min
